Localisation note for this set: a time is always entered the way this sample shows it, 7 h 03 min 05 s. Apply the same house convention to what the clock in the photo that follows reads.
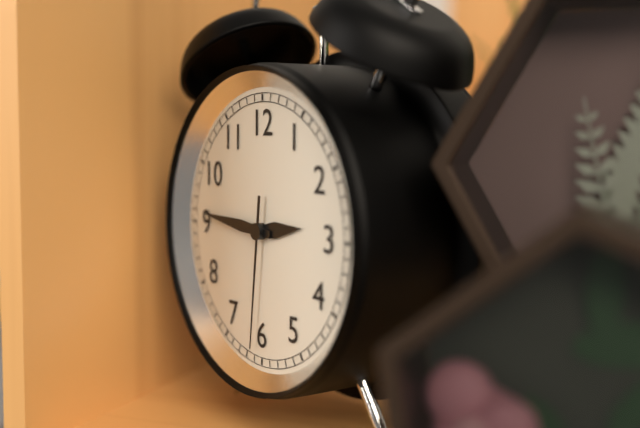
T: 2 h 46 min 31 s
